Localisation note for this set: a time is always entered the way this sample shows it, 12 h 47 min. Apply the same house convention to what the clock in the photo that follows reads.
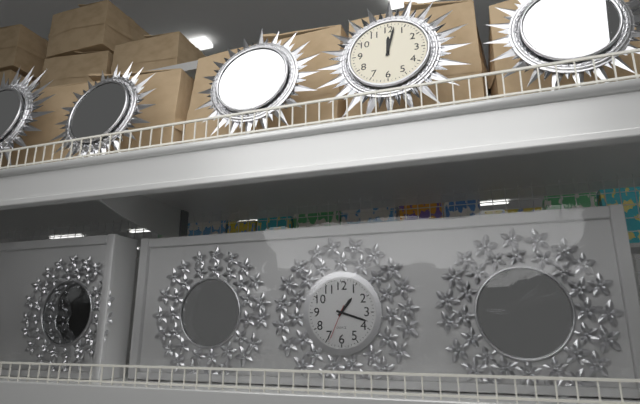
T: 1 h 18 min
